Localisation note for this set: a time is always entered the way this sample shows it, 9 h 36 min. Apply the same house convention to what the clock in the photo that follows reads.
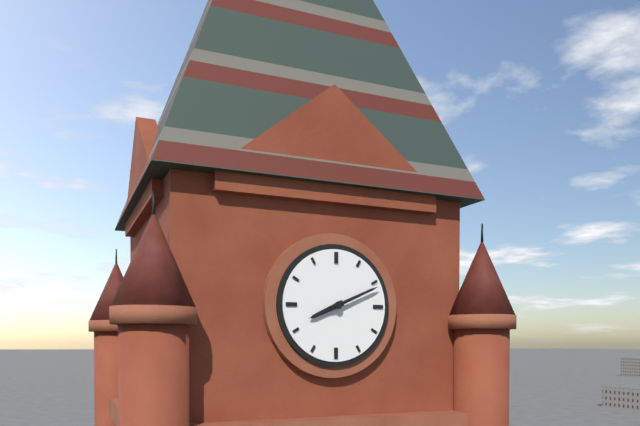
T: 8 h 11 min
